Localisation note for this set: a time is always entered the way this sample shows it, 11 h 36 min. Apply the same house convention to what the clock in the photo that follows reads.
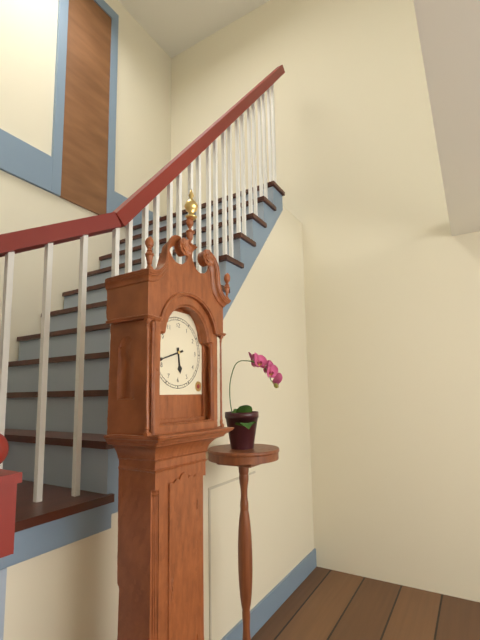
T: 5 h 42 min
